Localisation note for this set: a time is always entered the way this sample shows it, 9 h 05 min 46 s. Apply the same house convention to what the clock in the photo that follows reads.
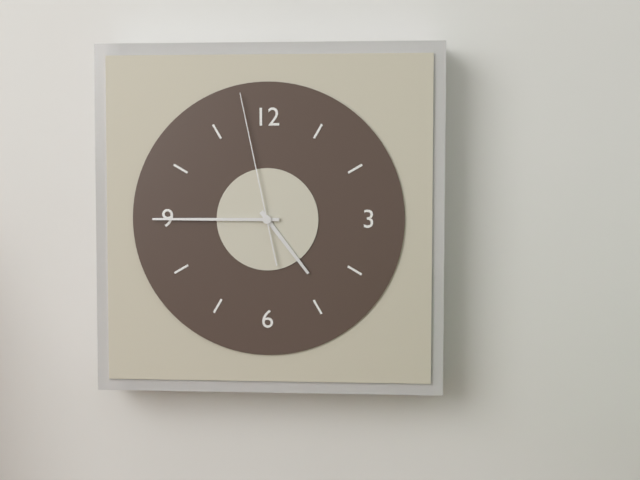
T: 4 h 45 min 58 s
